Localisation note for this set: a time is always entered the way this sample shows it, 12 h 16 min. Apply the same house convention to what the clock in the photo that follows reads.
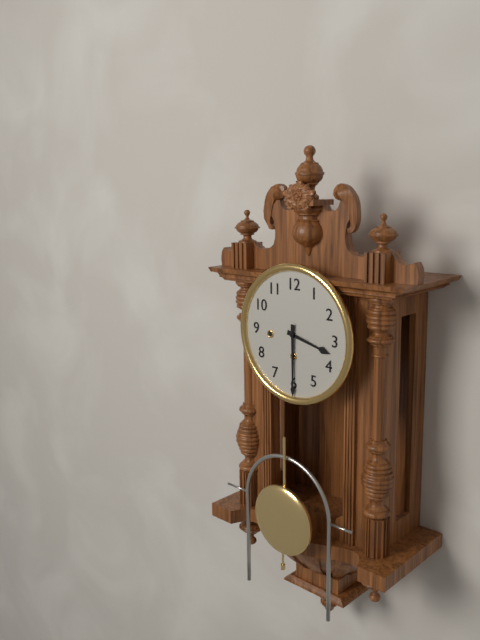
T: 3 h 30 min
